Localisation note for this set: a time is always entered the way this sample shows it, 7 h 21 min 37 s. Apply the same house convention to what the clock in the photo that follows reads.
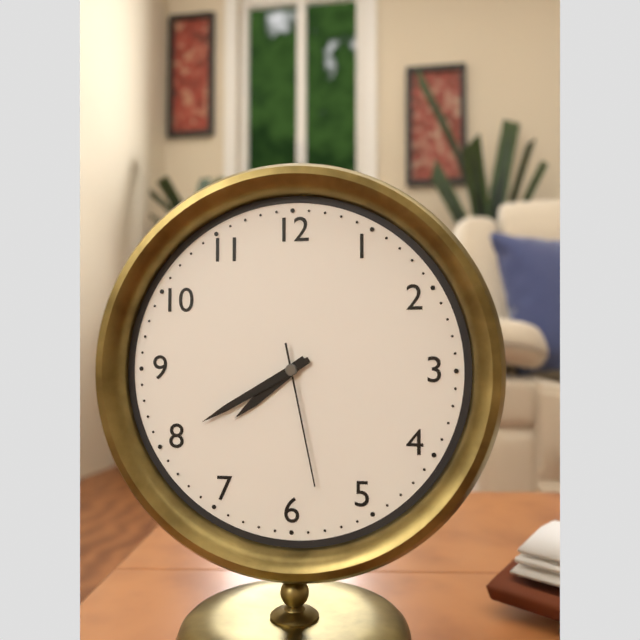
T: 7 h 40 min 28 s
